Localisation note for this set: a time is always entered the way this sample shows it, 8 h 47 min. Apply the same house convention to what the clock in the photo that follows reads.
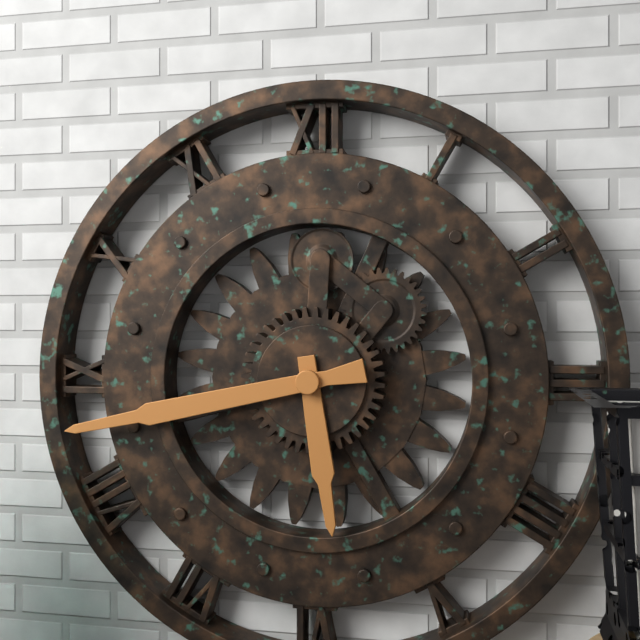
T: 5 h 43 min
